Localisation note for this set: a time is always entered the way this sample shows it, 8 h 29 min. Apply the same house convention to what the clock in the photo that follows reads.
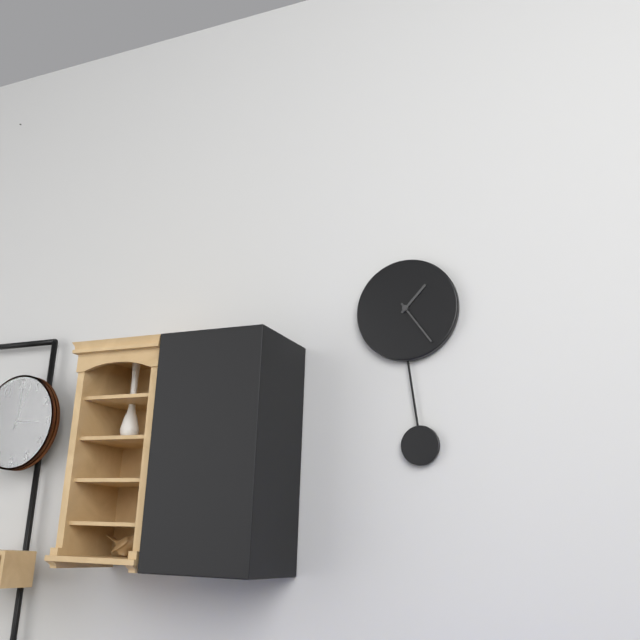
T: 1 h 24 min
